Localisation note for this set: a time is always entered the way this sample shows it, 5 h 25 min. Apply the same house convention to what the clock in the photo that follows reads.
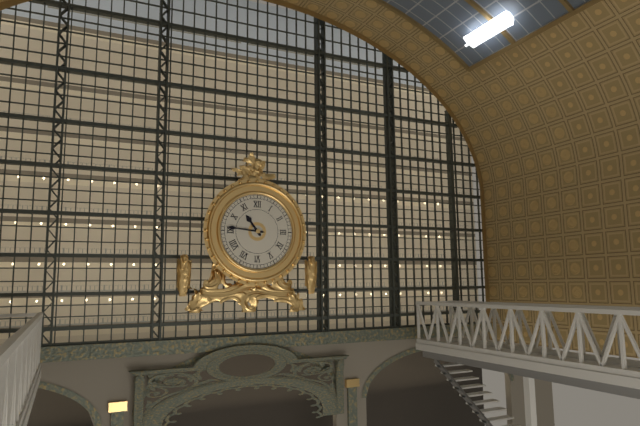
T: 10 h 46 min
